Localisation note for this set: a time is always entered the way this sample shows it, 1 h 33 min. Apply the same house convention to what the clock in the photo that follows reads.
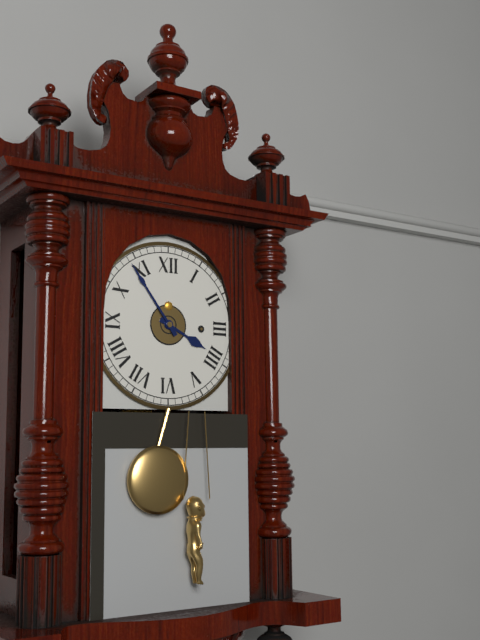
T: 3 h 54 min
